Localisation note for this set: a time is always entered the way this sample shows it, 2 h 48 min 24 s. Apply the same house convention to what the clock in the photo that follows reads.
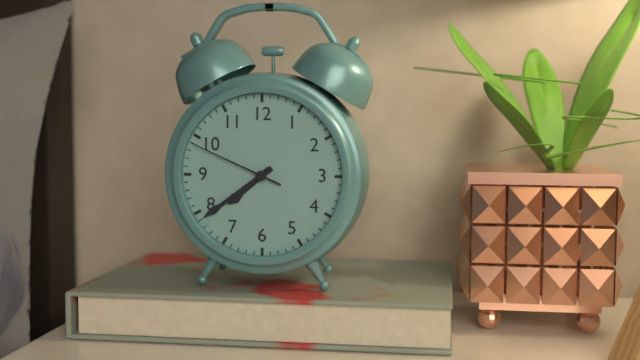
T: 7 h 39 min 49 s
